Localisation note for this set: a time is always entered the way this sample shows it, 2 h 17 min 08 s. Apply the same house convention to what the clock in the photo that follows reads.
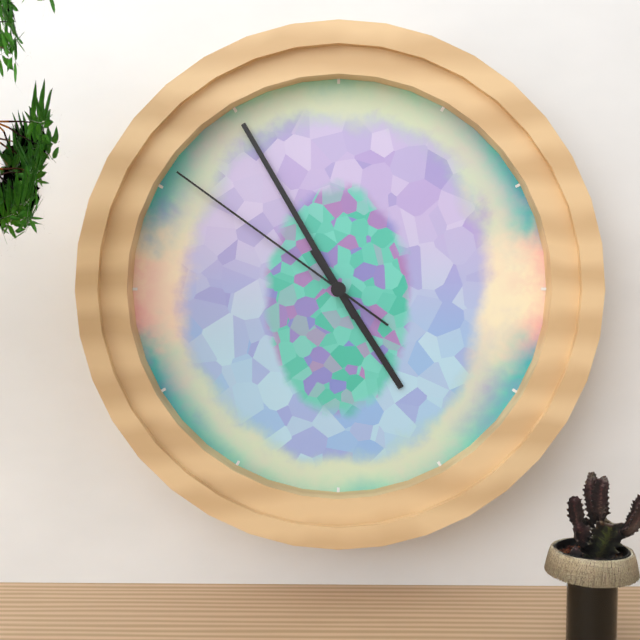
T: 4 h 55 min 51 s
